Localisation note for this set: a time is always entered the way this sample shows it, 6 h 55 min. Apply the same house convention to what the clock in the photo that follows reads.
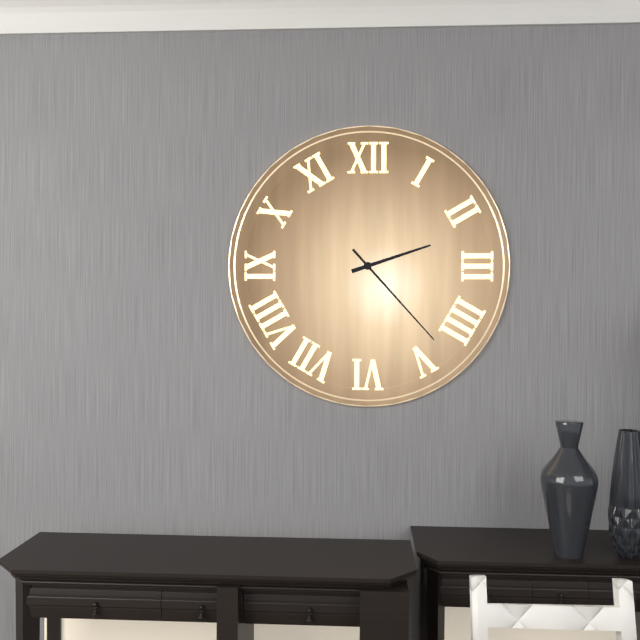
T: 2 h 23 min
